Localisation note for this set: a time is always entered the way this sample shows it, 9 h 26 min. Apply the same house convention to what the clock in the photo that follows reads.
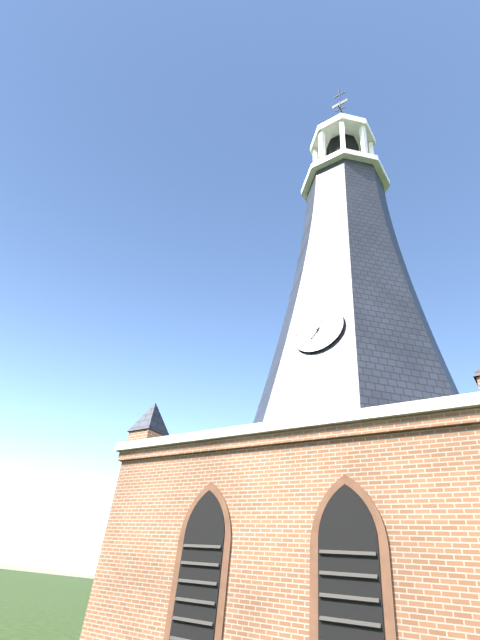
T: 7 h 02 min
